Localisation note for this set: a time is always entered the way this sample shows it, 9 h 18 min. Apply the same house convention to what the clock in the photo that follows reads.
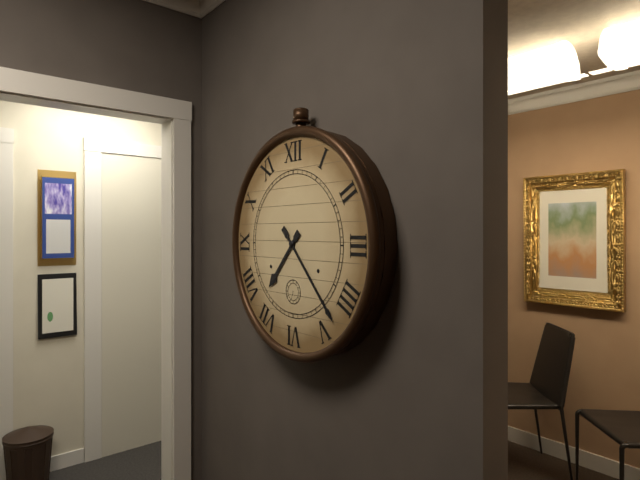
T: 7 h 23 min
